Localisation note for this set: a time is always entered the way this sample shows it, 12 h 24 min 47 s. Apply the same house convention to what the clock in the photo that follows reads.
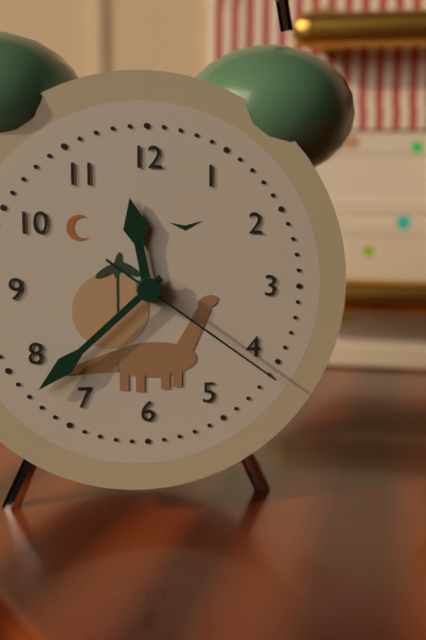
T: 11 h 38 min 21 s
